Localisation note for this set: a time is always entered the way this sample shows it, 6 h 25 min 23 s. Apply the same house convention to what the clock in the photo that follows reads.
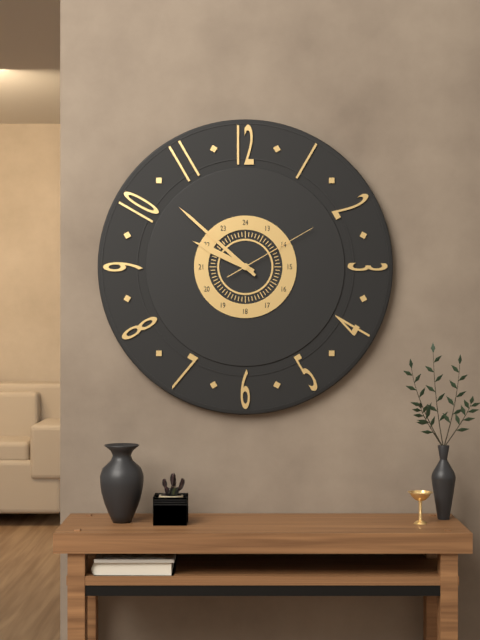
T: 9 h 52 min 10 s
